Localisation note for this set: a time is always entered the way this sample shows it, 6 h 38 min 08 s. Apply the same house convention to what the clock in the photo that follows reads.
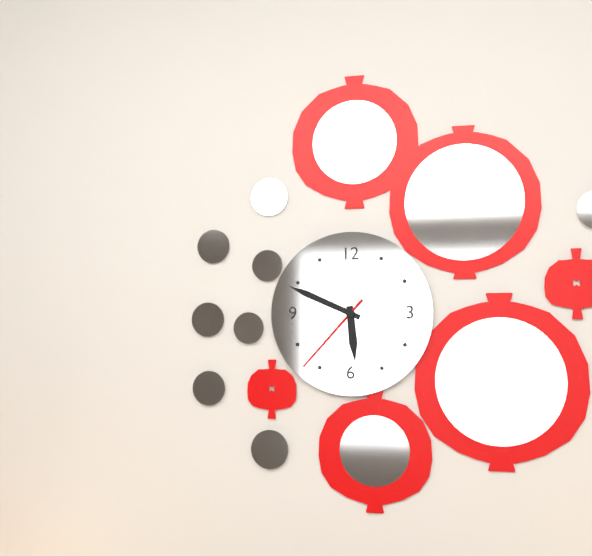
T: 5 h 49 min 37 s
